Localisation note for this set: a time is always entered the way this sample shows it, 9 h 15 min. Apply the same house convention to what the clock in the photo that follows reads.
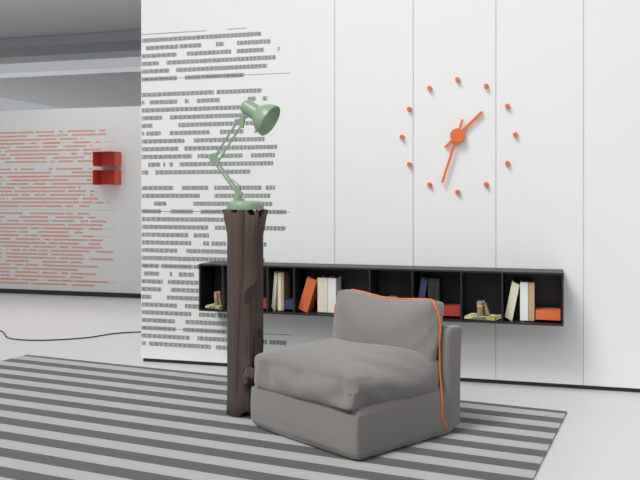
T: 1 h 33 min
